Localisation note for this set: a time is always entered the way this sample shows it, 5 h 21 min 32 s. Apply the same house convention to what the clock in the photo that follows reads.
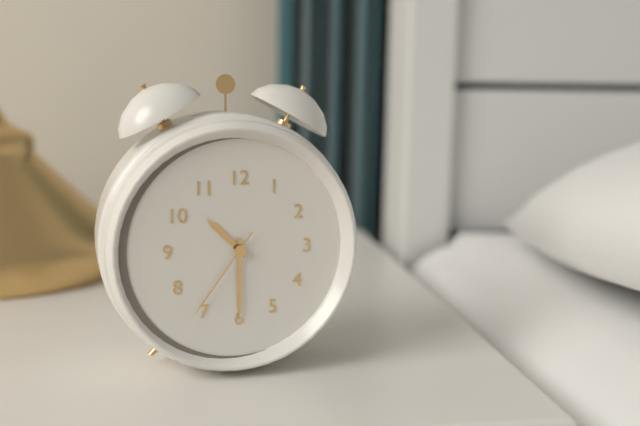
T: 10 h 30 min 36 s
